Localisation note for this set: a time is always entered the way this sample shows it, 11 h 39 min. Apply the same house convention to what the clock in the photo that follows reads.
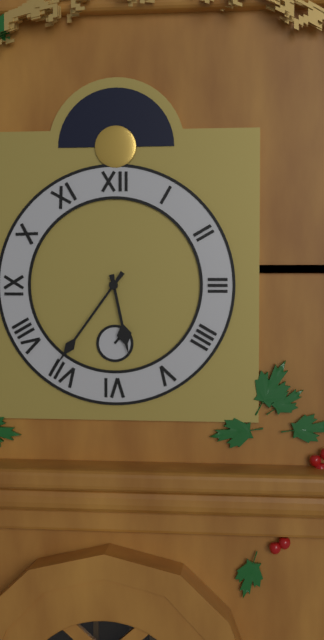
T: 5 h 36 min
